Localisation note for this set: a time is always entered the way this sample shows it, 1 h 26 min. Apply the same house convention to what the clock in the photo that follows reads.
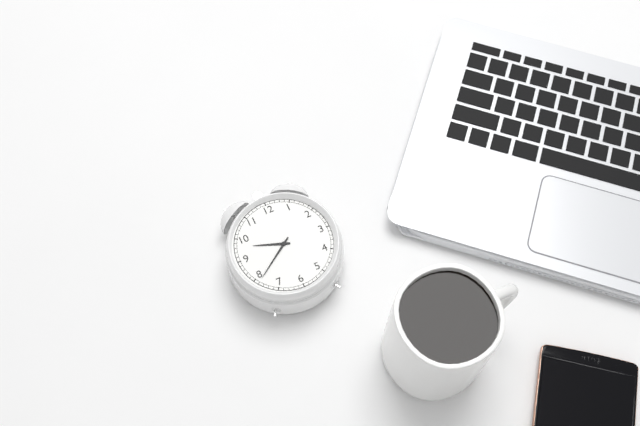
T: 9 h 39 min
